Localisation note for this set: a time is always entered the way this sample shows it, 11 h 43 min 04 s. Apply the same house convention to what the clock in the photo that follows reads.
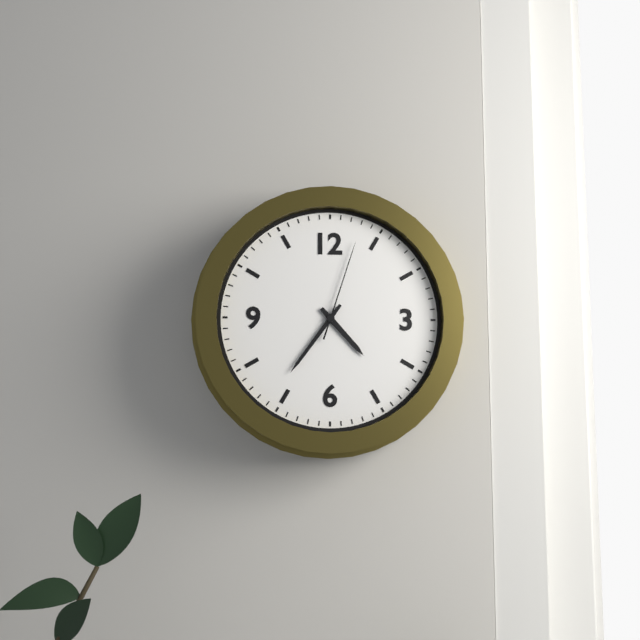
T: 4 h 36 min 03 s
